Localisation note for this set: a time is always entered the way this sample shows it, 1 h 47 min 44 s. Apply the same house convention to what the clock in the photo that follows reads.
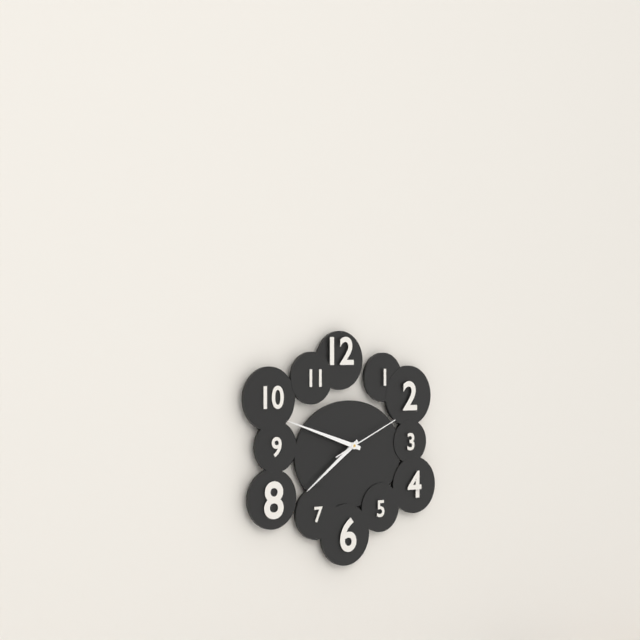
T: 7 h 48 min 11 s
